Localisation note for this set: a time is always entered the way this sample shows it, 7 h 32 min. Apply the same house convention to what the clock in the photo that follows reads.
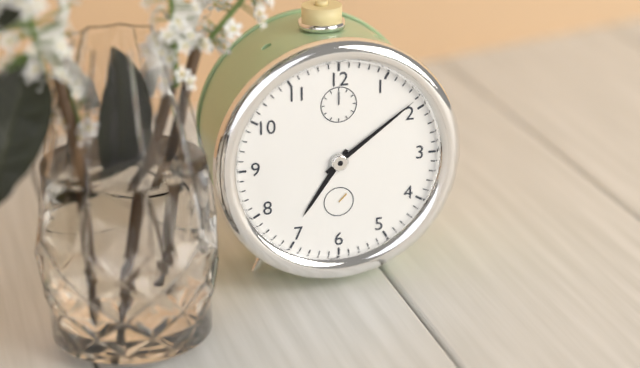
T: 7 h 09 min
